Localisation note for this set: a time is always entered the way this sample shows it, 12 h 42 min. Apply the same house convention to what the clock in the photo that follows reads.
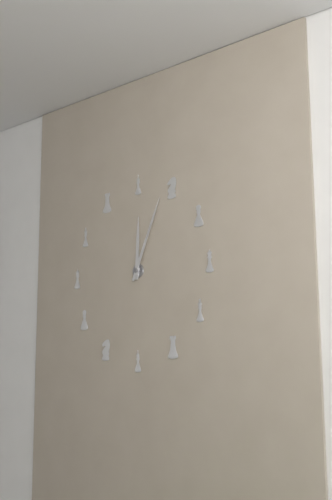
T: 12 h 04 min
